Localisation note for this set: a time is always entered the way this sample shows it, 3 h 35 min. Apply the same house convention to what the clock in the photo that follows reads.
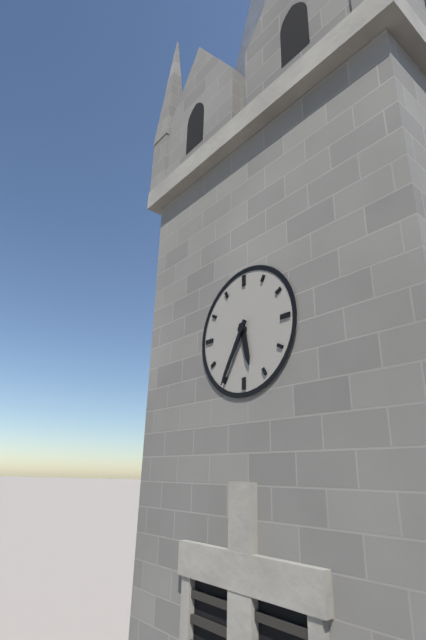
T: 5 h 35 min
